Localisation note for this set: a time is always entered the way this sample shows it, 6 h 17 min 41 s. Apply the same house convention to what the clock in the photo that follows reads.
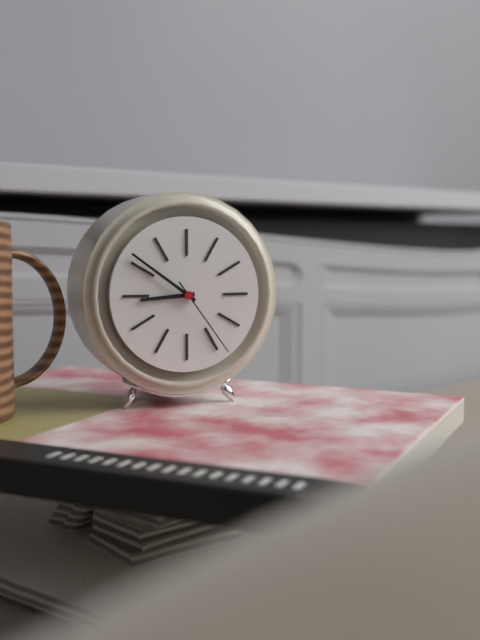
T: 8 h 51 min 24 s
